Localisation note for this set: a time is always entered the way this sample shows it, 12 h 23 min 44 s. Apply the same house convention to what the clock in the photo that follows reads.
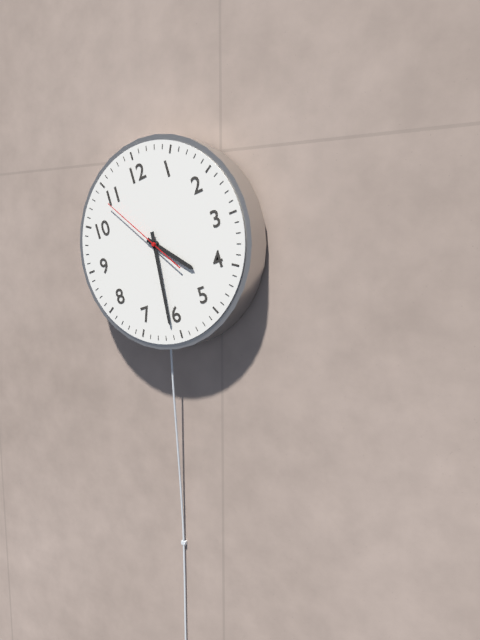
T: 4 h 31 min 54 s
